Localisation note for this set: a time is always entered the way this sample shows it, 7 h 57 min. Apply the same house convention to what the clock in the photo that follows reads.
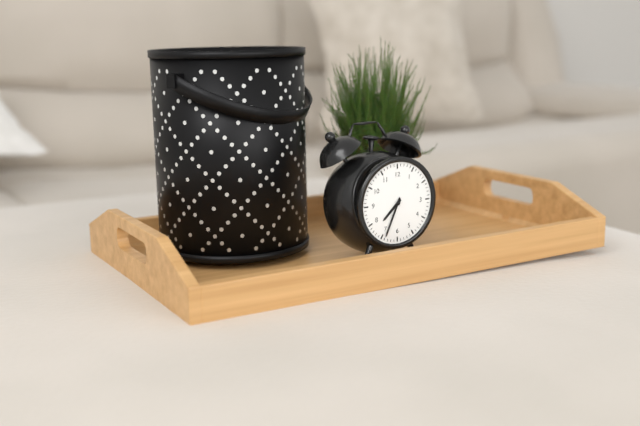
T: 7 h 34 min
